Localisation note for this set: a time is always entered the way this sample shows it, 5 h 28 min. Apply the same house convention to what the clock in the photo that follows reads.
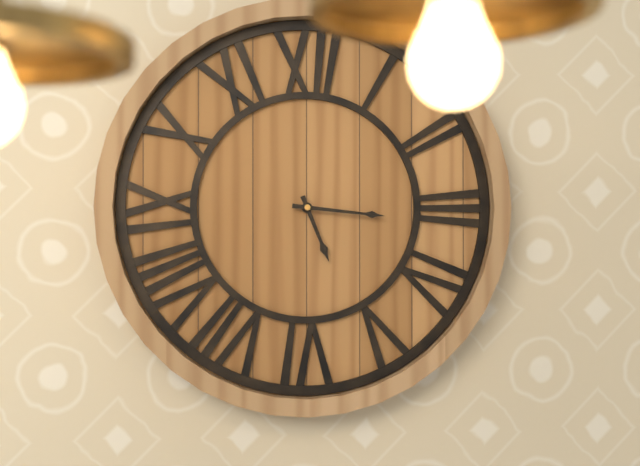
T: 5 h 16 min
